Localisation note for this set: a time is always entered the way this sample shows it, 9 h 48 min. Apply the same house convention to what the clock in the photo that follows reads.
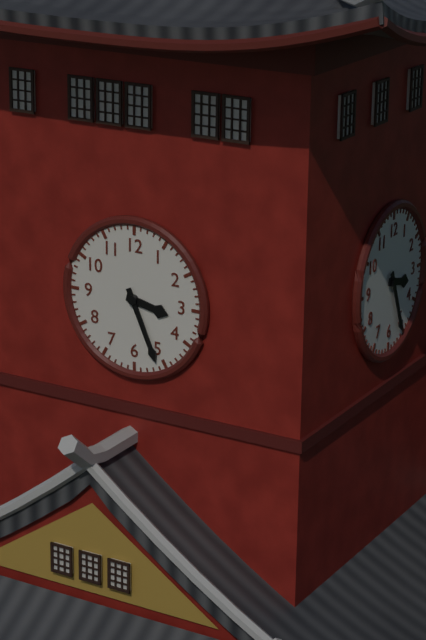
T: 3 h 26 min
